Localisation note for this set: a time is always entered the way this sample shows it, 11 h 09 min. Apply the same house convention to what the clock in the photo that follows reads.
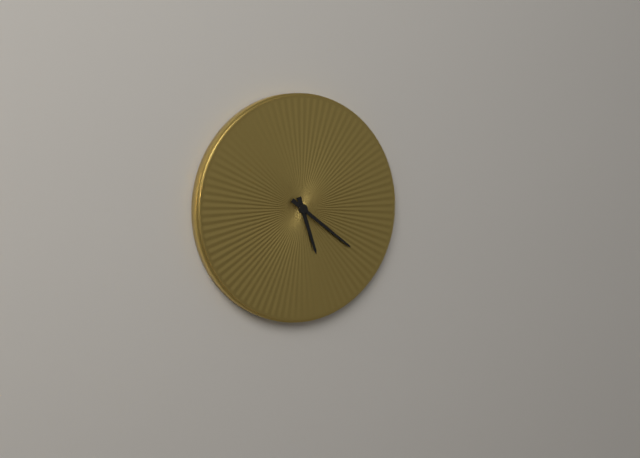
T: 5 h 21 min
